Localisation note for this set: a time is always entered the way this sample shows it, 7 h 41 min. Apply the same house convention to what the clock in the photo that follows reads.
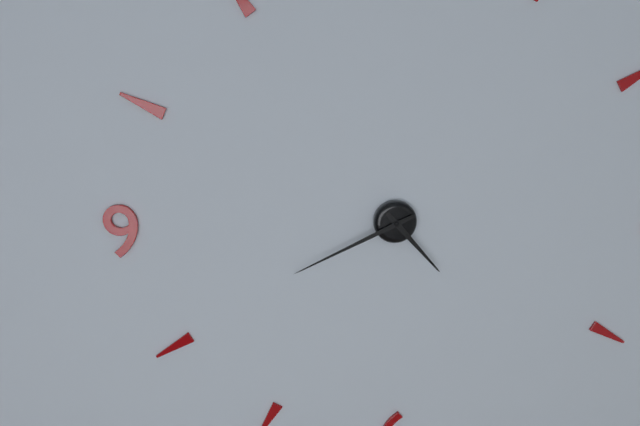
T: 4 h 41 min
